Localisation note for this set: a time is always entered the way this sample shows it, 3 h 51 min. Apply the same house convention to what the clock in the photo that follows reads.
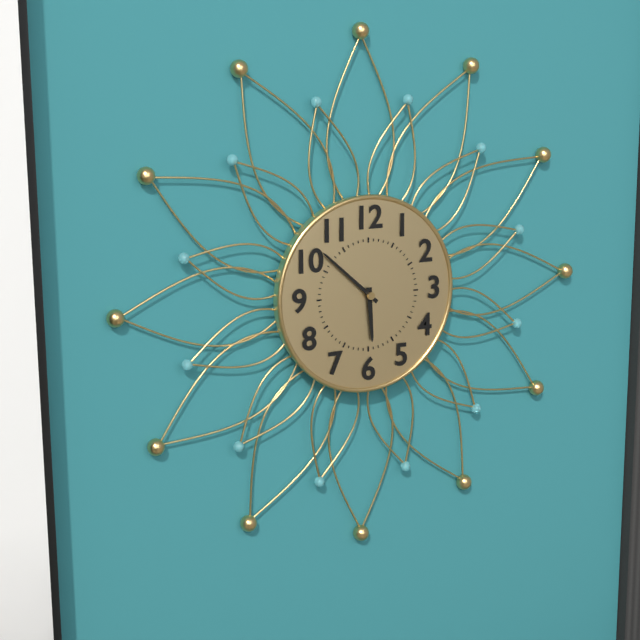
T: 5 h 52 min
